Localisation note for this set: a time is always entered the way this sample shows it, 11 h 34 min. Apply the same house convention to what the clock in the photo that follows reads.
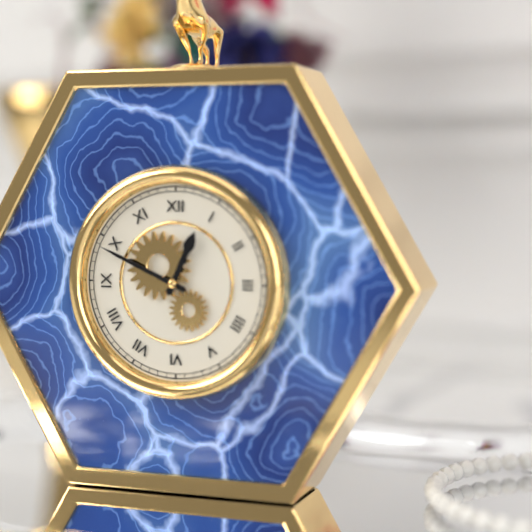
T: 12 h 49 min
